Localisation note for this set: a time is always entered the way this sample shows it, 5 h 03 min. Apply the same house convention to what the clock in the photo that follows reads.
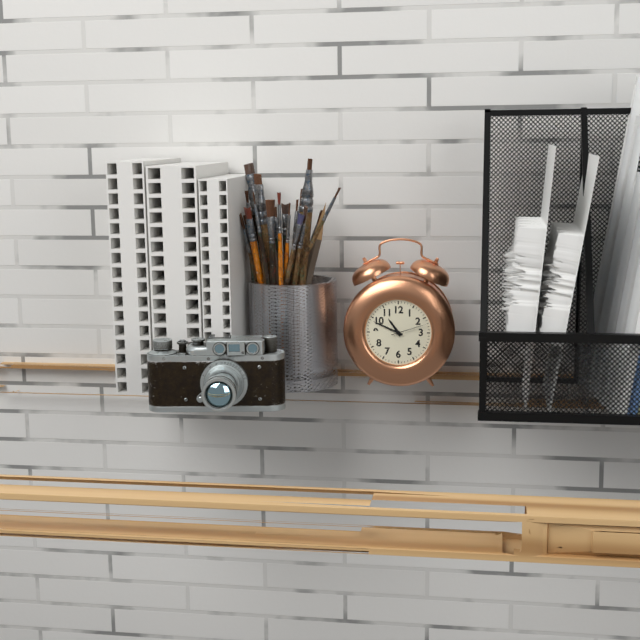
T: 10 h 49 min
